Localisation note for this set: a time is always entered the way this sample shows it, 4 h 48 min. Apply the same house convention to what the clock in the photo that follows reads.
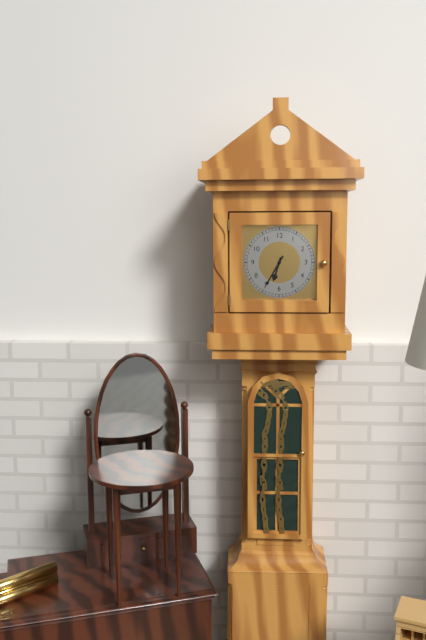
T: 6 h 35 min
